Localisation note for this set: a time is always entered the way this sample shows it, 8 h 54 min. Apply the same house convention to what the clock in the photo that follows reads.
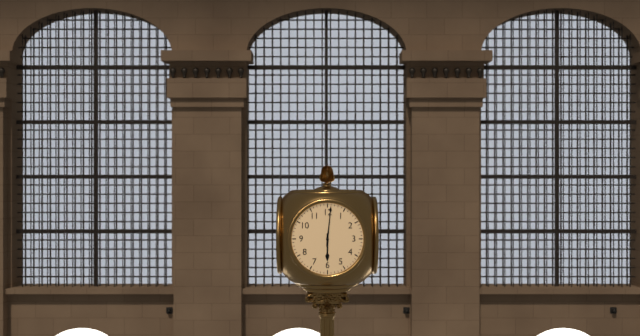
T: 6 h 01 min
